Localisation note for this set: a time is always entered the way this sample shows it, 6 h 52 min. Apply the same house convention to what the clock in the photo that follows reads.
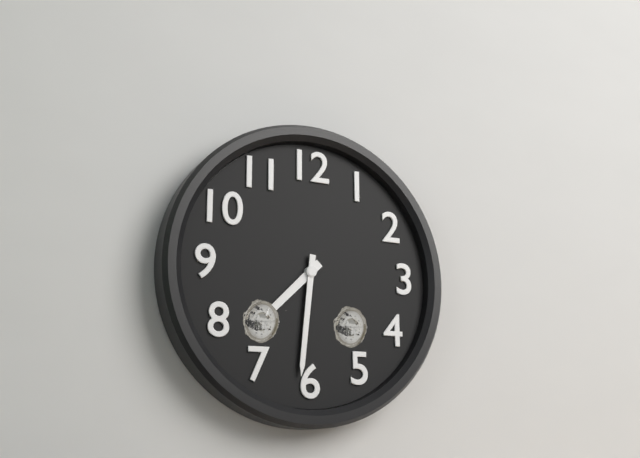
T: 7 h 31 min
